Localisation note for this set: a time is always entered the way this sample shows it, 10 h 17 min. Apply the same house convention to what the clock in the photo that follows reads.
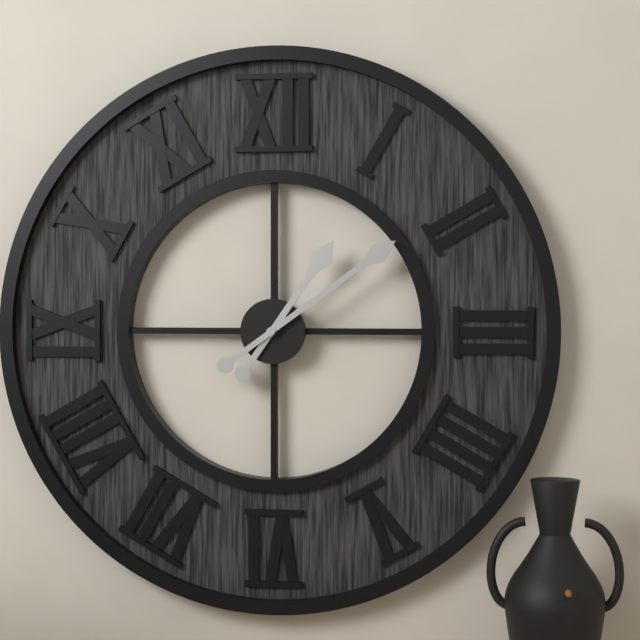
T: 1 h 09 min
